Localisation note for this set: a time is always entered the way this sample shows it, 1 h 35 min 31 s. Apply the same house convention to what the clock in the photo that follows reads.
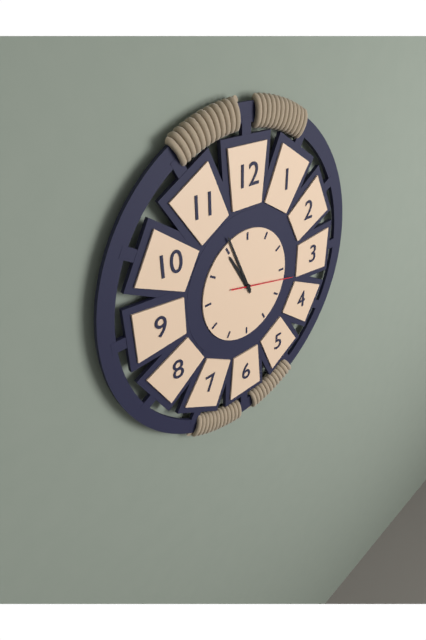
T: 10 h 56 min 17 s
